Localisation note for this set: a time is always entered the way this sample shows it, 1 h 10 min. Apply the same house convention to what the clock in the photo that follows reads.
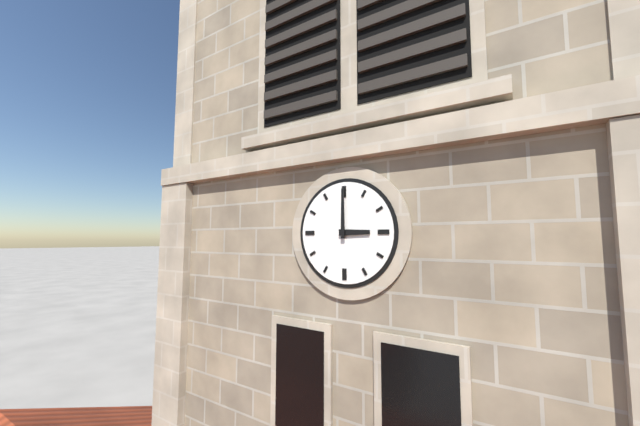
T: 3 h 00 min
